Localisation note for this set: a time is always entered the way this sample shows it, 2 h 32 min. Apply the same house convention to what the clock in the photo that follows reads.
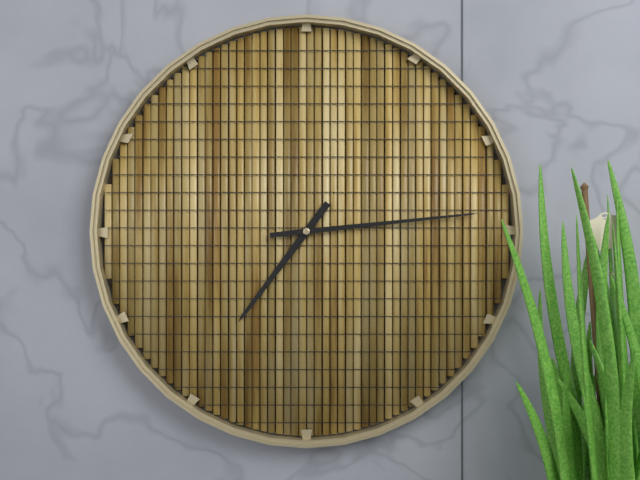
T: 7 h 14 min
